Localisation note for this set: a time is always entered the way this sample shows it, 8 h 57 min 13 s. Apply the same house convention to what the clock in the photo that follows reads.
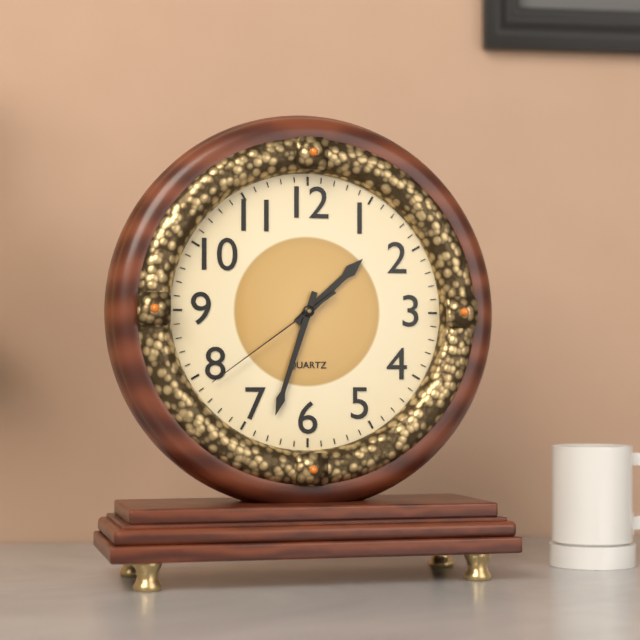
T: 1 h 33 min 39 s
